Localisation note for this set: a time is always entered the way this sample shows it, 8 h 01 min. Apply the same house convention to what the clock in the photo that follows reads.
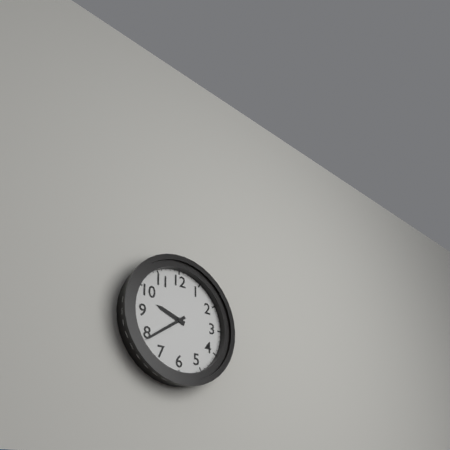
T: 9 h 39 min
